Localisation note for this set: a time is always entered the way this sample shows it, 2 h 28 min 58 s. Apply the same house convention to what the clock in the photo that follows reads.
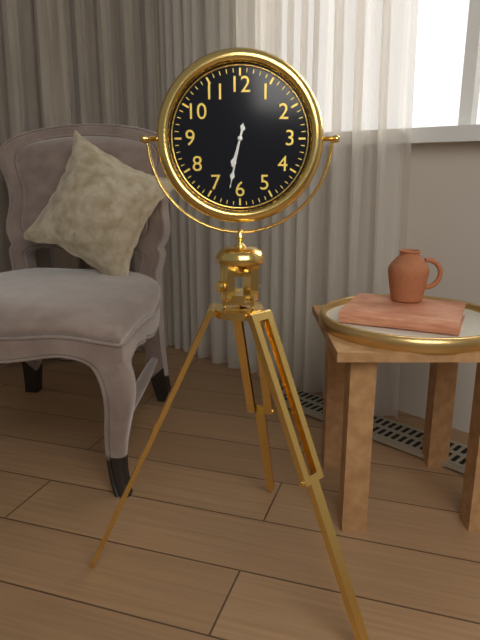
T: 6 h 32 min 32 s
